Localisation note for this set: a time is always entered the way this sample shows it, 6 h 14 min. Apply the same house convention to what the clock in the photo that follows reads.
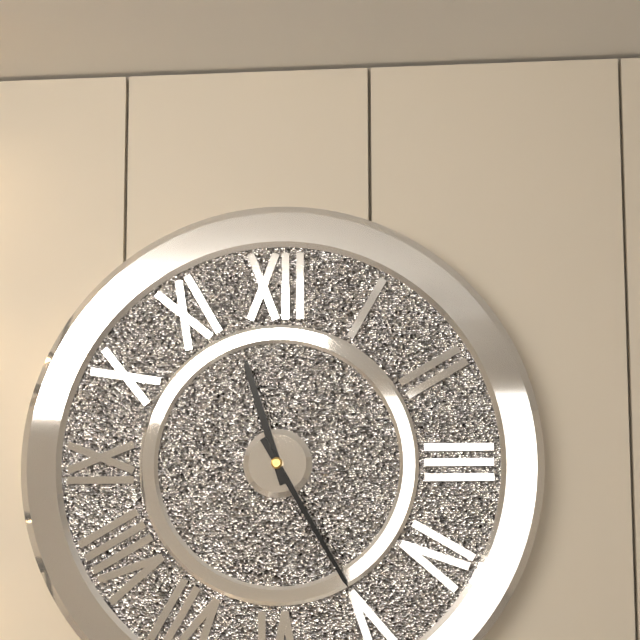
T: 11 h 25 min
